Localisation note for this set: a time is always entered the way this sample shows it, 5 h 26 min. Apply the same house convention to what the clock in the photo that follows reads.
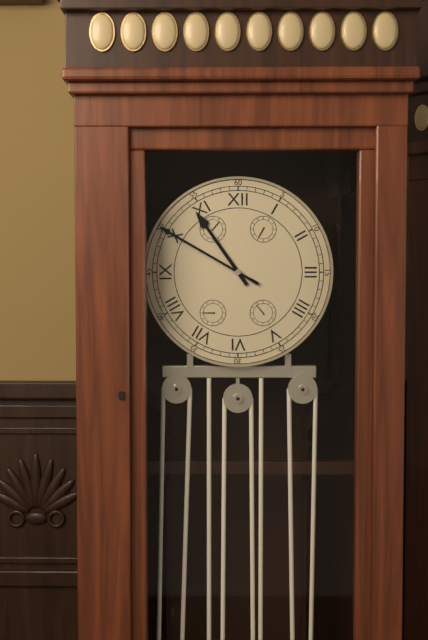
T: 10 h 50 min
